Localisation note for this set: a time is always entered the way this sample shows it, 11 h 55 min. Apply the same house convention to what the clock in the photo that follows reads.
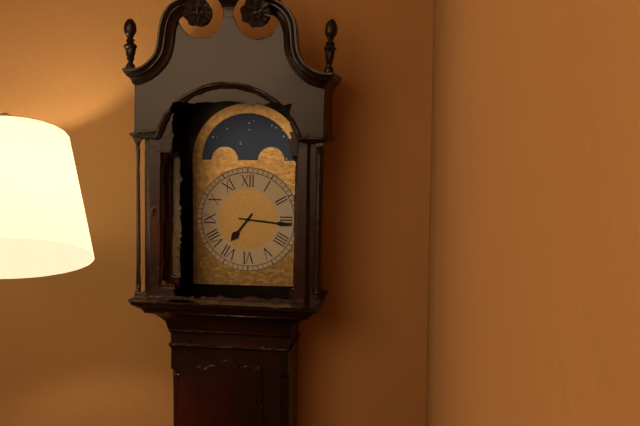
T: 7 h 16 min
